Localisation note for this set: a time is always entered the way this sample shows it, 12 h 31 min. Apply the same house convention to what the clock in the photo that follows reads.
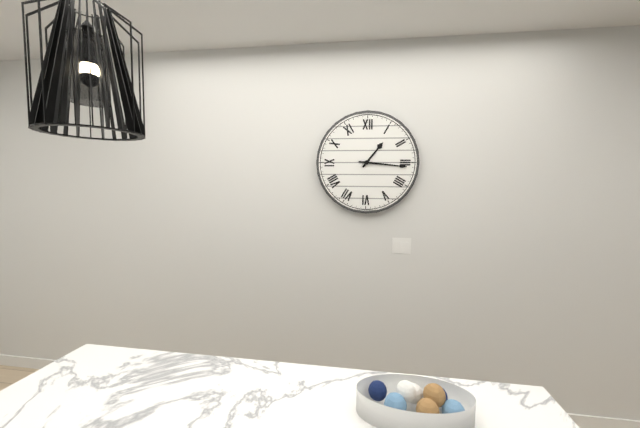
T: 1 h 16 min
